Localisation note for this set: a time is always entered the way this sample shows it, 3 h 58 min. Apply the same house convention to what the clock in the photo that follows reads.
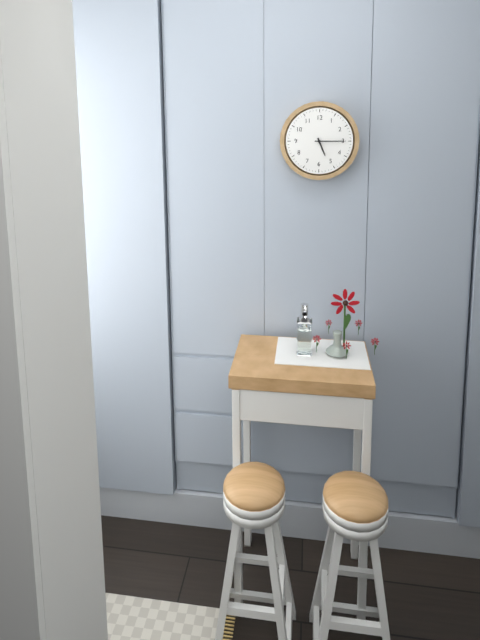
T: 5 h 15 min
